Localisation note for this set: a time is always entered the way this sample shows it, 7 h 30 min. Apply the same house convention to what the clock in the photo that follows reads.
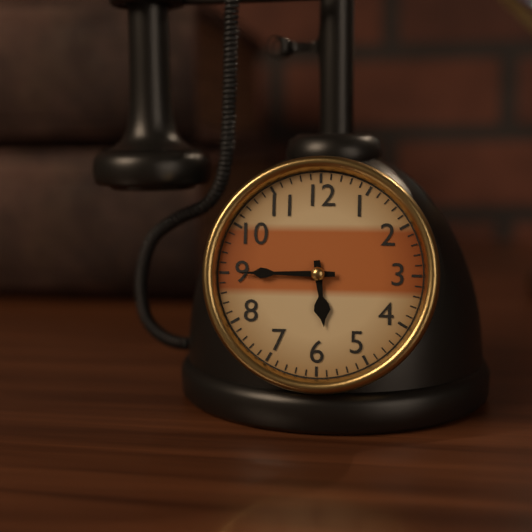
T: 5 h 45 min
